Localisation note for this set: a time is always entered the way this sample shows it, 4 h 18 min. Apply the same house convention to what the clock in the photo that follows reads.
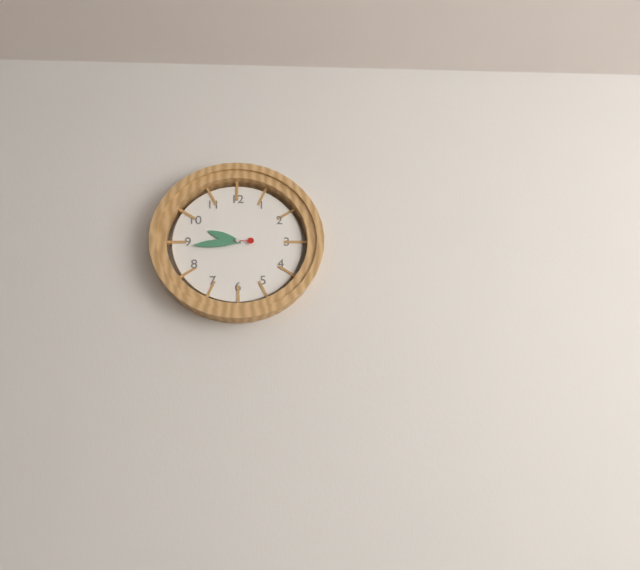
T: 9 h 44 min
